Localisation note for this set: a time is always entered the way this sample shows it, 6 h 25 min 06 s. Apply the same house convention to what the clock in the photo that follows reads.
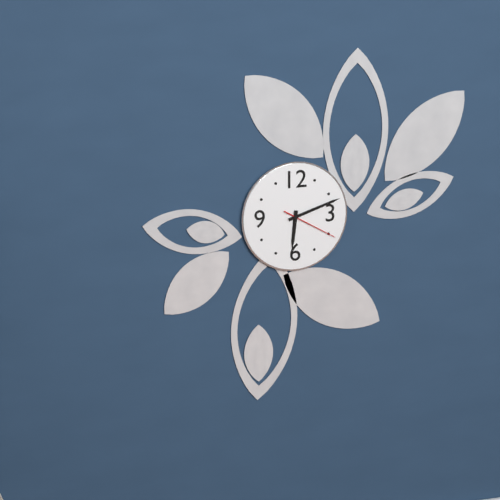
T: 6 h 12 min 20 s
